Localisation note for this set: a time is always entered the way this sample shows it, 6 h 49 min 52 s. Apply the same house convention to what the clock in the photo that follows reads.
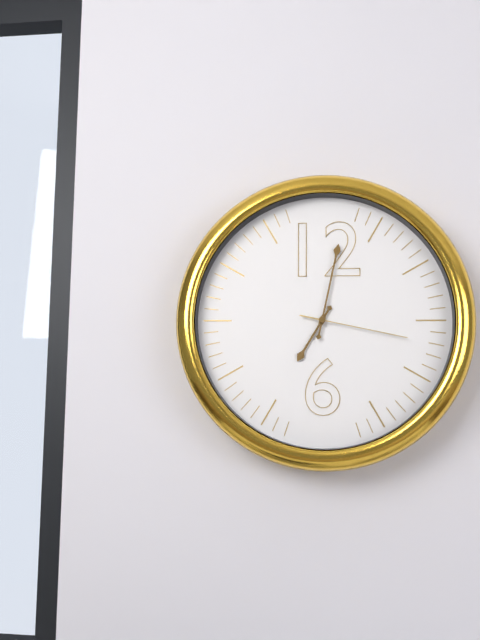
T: 7 h 02 min 17 s
